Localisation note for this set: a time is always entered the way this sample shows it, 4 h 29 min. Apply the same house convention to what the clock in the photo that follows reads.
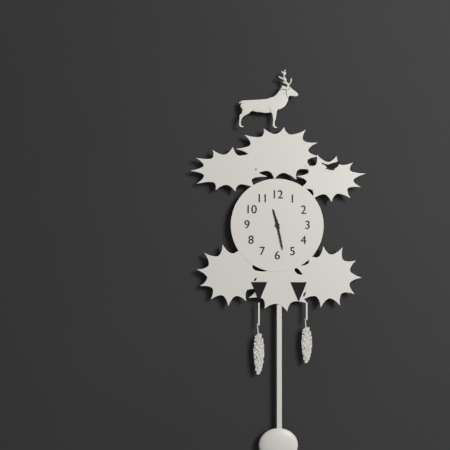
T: 11 h 28 min
